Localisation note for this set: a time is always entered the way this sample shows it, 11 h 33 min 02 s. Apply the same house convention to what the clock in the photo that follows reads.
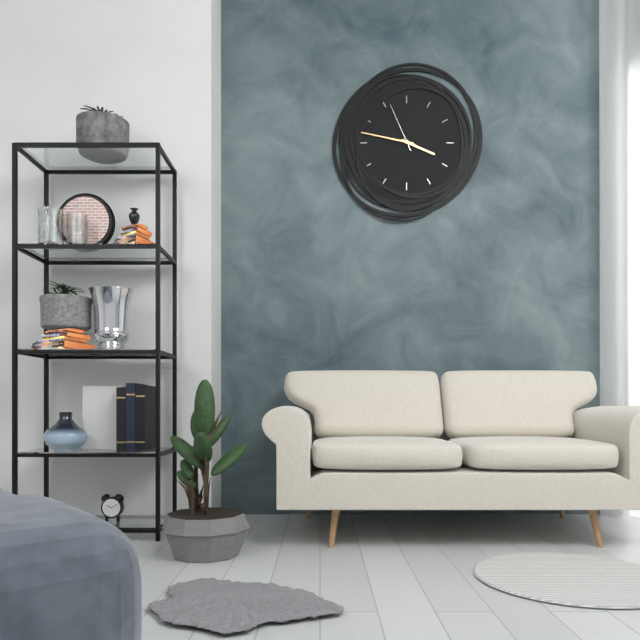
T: 3 h 47 min 56 s
